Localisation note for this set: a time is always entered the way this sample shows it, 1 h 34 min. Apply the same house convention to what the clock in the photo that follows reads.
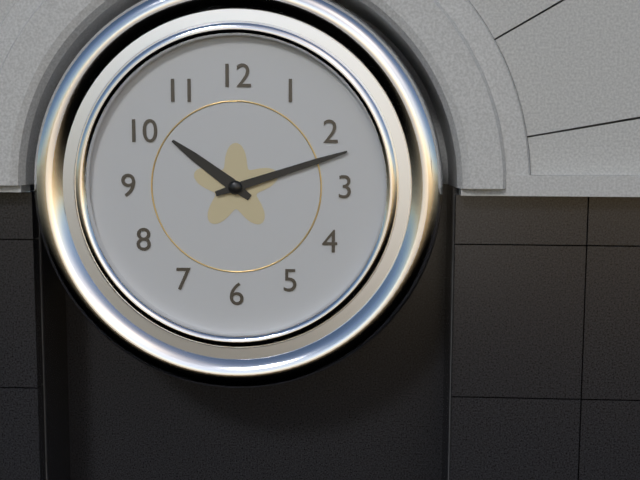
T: 10 h 12 min
